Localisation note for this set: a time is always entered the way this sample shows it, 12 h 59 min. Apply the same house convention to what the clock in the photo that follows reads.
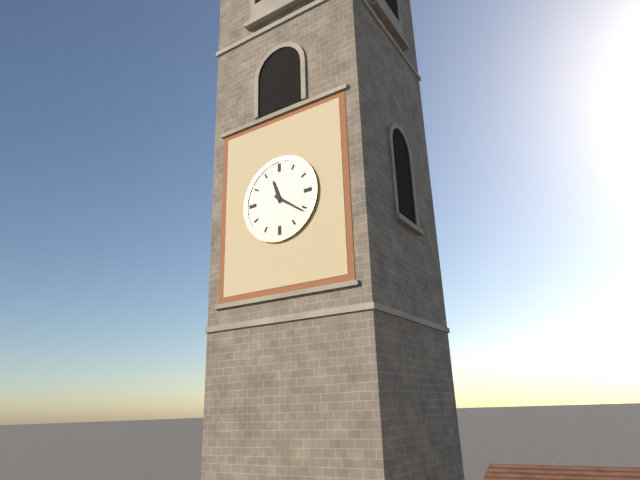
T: 11 h 21 min
